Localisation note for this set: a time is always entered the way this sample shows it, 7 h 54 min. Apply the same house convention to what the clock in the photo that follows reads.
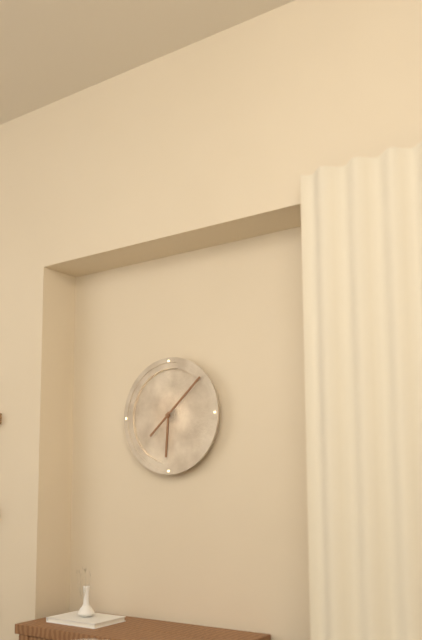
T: 6 h 08 min
